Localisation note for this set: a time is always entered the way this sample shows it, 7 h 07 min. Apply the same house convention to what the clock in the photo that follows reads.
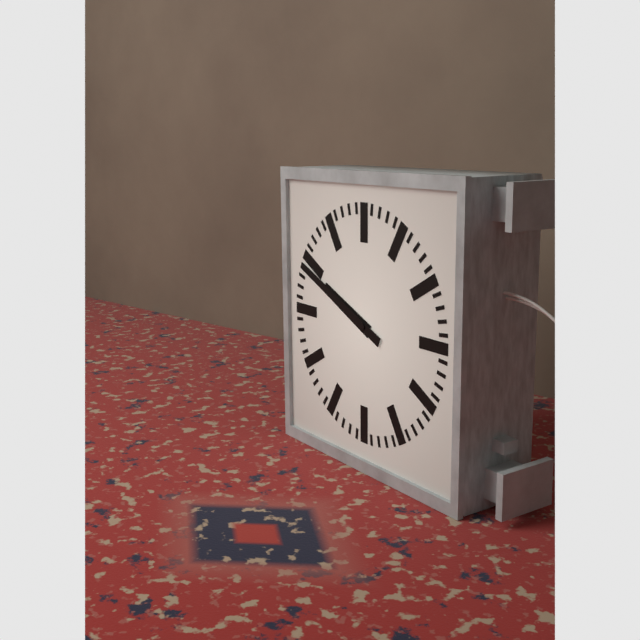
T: 9 h 49 min
